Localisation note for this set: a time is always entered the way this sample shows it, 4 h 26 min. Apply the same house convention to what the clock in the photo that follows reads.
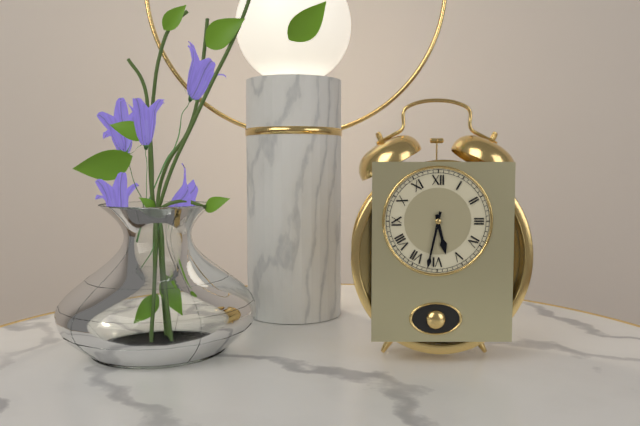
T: 5 h 32 min
